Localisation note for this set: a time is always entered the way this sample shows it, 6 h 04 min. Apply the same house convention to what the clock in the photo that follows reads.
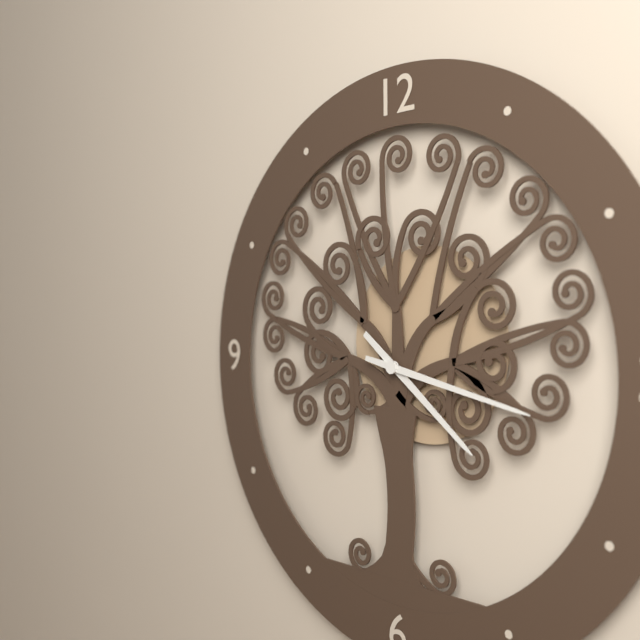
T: 4 h 17 min
